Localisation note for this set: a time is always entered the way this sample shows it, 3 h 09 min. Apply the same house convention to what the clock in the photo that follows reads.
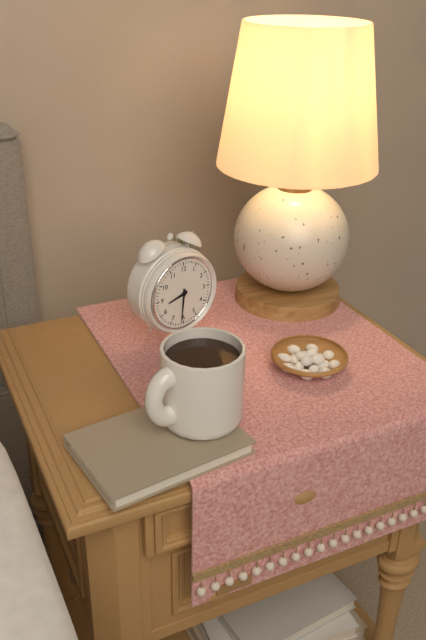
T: 8 h 31 min
